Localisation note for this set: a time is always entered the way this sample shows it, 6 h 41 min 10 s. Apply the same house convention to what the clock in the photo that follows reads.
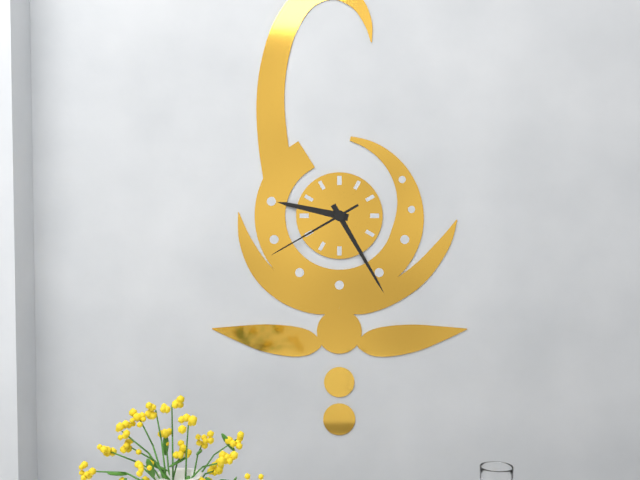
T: 9 h 25 min 40 s
